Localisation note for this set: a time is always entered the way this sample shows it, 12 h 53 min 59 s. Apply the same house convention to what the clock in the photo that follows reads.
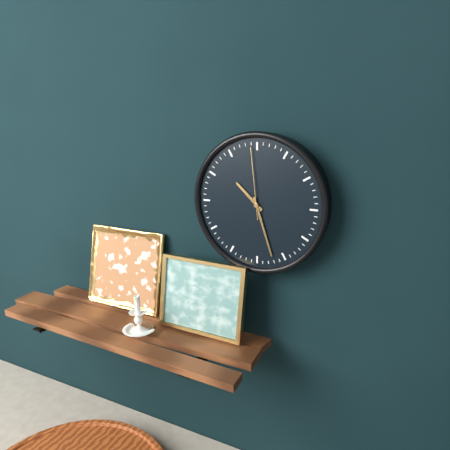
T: 10 h 27 min 59 s
